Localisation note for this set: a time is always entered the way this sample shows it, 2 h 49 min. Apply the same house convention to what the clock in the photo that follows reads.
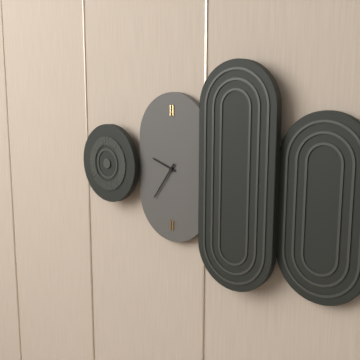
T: 9 h 36 min
